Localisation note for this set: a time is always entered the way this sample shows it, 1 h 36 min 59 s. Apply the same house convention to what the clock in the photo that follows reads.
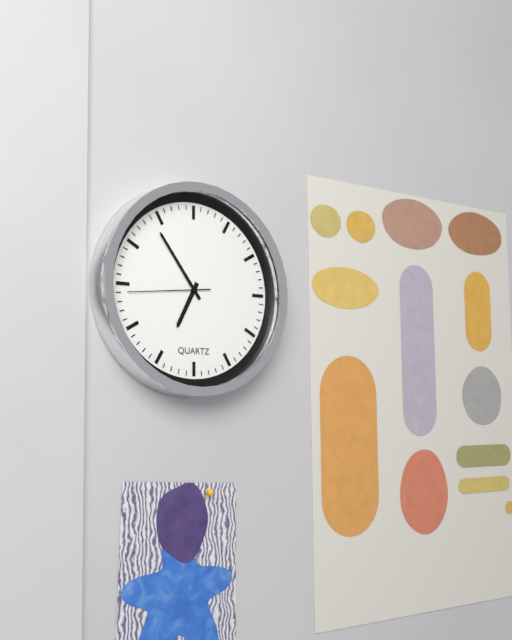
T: 6 h 54 min 44 s
